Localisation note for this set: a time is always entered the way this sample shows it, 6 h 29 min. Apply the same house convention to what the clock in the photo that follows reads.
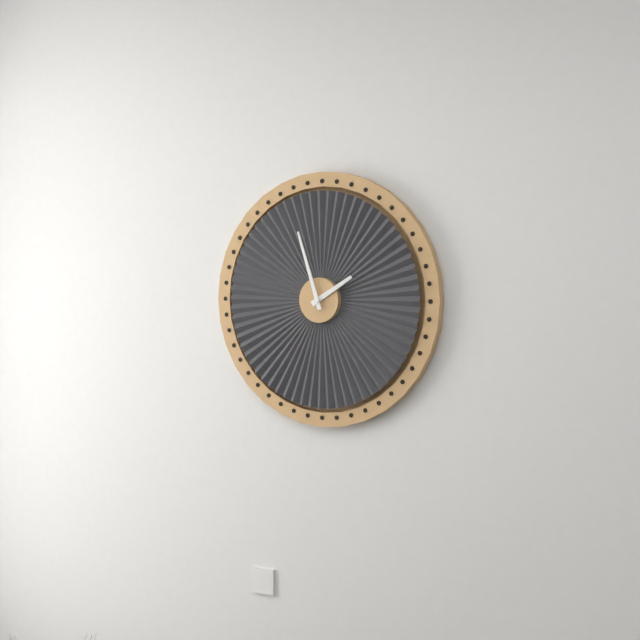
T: 1 h 57 min
